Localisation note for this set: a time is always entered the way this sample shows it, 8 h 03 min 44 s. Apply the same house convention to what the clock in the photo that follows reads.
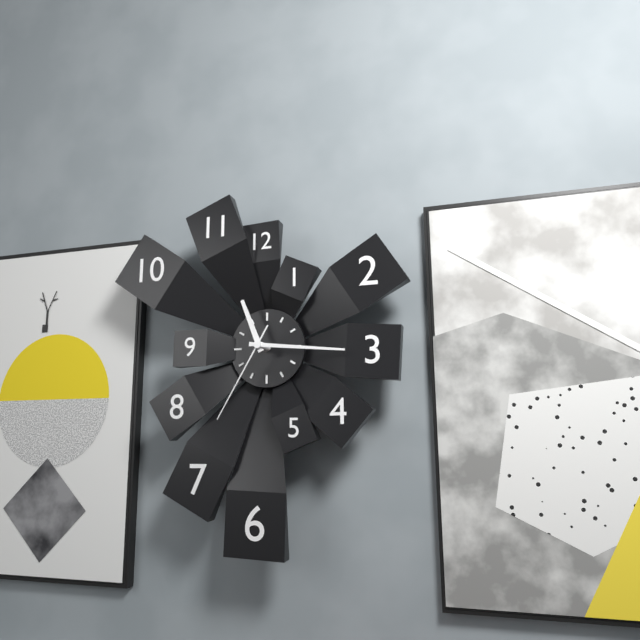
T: 11 h 16 min 35 s
